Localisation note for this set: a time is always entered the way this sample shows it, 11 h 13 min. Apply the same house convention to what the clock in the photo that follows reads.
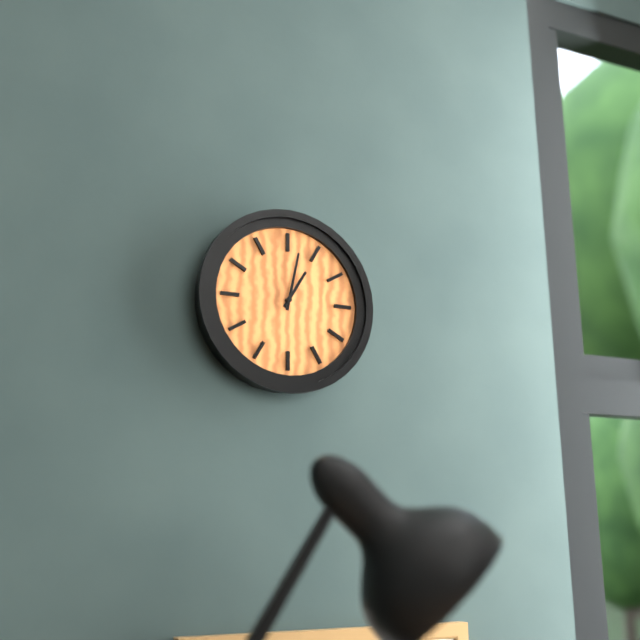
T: 1 h 02 min
